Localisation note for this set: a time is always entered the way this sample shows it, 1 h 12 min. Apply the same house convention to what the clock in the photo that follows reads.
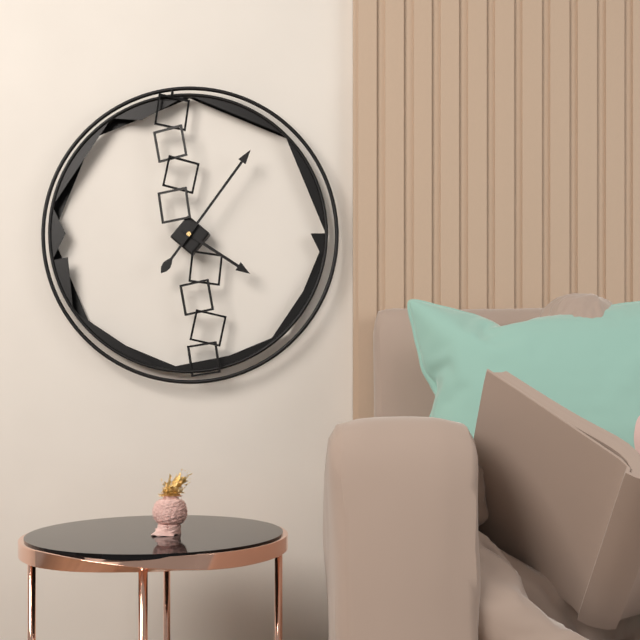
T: 4 h 06 min
